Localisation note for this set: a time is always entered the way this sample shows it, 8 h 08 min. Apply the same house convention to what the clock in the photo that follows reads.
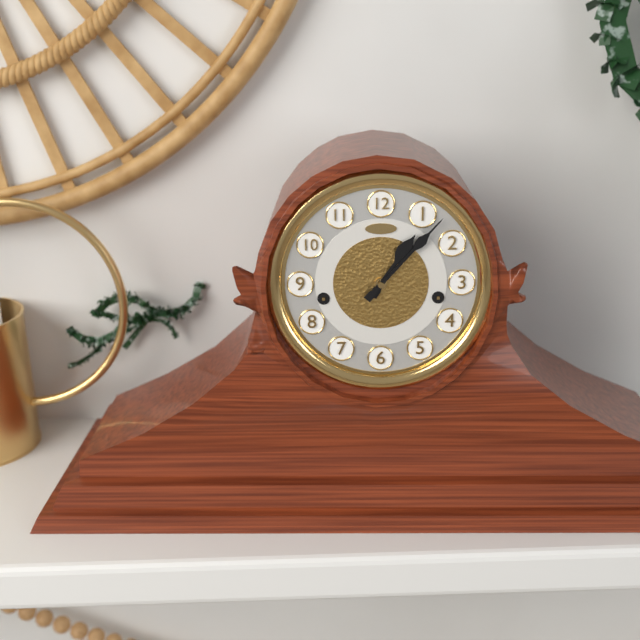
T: 1 h 07 min
